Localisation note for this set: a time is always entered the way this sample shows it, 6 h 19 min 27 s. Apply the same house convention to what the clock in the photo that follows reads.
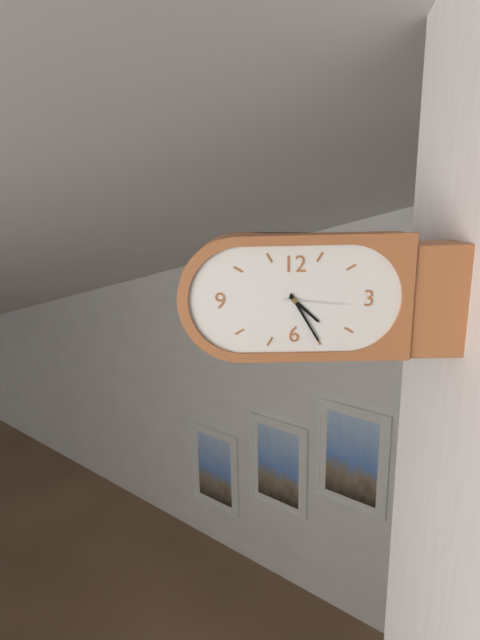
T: 4 h 25 min 16 s
